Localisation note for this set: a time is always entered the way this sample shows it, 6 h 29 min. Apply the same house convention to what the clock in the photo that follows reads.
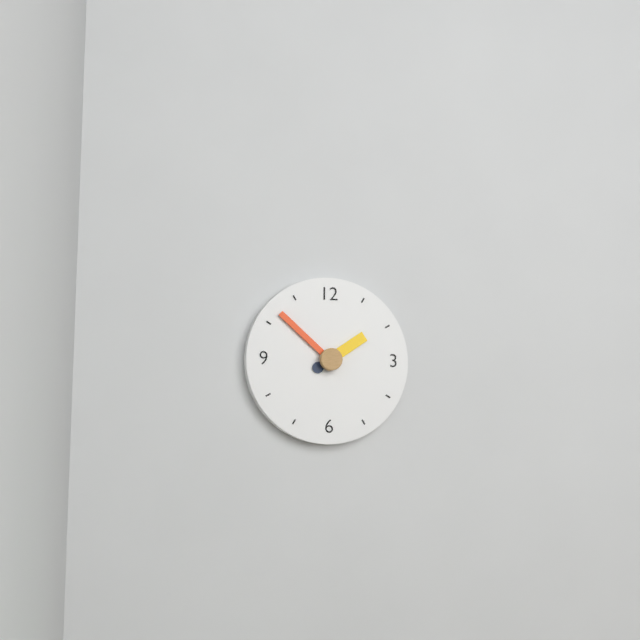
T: 1 h 52 min
